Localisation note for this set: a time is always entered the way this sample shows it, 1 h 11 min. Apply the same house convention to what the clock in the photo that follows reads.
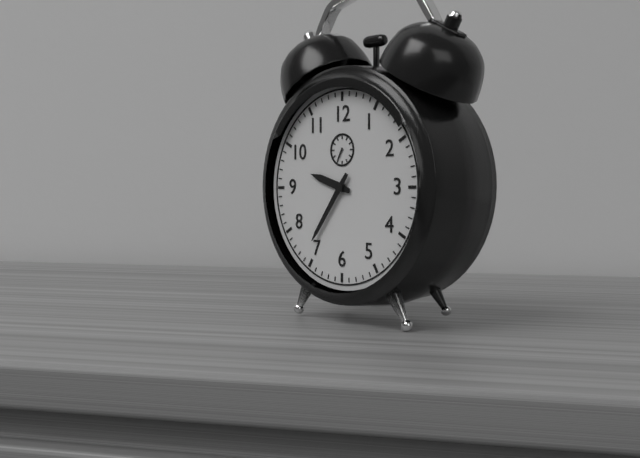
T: 9 h 36 min
